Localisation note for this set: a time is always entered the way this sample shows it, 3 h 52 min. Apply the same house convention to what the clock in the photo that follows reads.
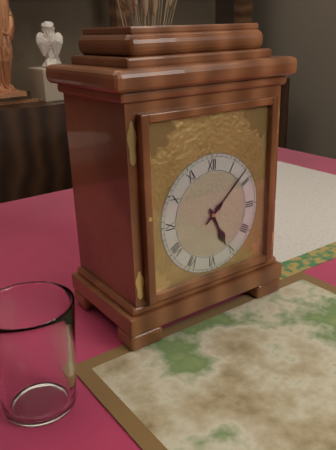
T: 5 h 08 min
